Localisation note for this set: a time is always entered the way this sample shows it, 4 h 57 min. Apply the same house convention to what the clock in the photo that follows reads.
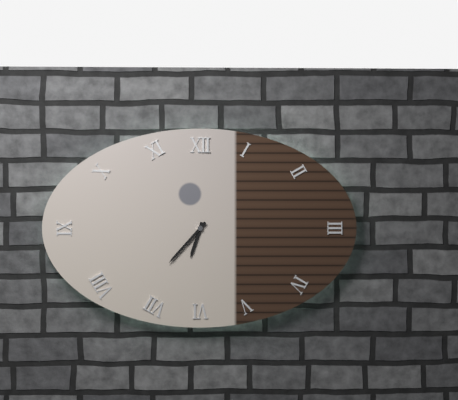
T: 6 h 37 min
